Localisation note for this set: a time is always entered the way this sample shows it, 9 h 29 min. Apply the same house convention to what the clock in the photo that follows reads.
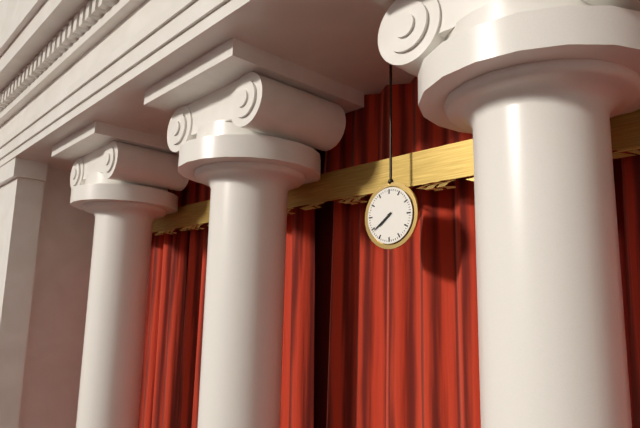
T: 7 h 39 min
